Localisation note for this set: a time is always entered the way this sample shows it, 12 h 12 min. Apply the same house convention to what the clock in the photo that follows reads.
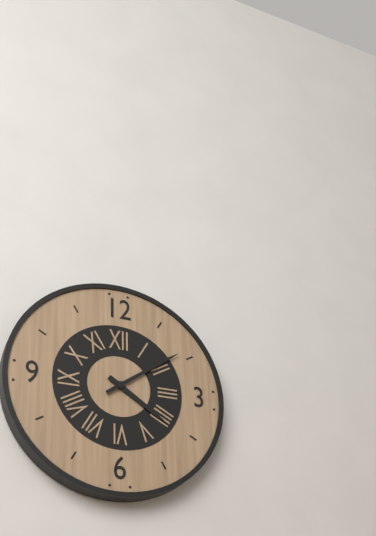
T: 4 h 09 min
